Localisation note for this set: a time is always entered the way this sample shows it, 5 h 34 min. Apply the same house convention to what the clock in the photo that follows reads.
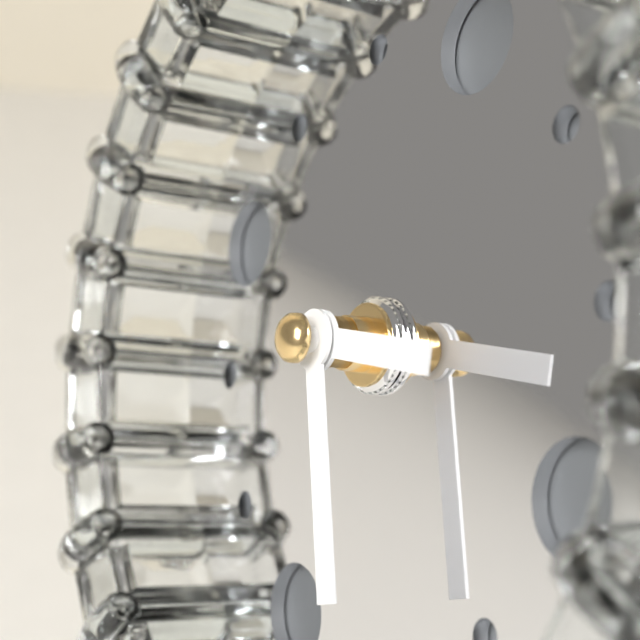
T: 2 h 24 min
